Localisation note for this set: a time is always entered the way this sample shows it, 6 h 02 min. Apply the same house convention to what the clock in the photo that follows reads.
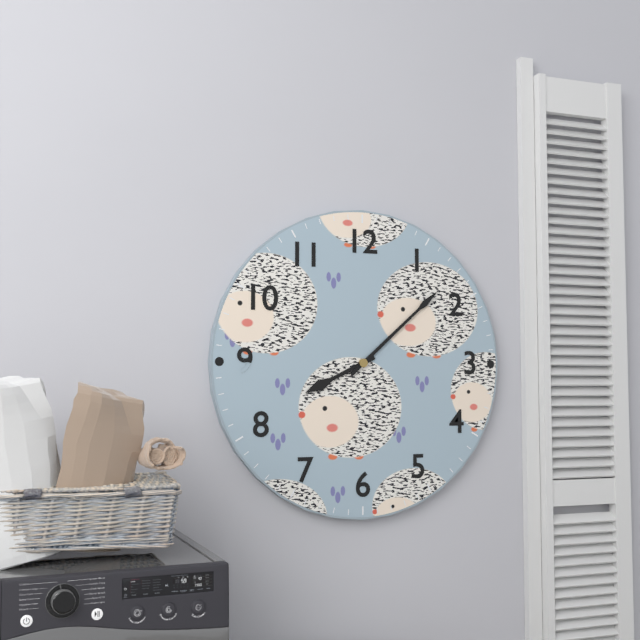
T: 8 h 08 min
